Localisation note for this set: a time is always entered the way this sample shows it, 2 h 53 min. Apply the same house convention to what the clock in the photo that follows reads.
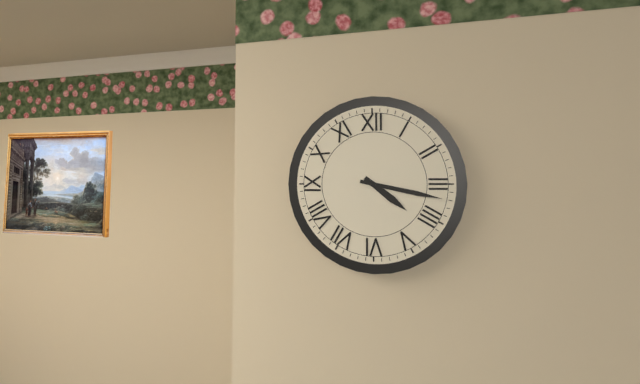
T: 4 h 17 min
